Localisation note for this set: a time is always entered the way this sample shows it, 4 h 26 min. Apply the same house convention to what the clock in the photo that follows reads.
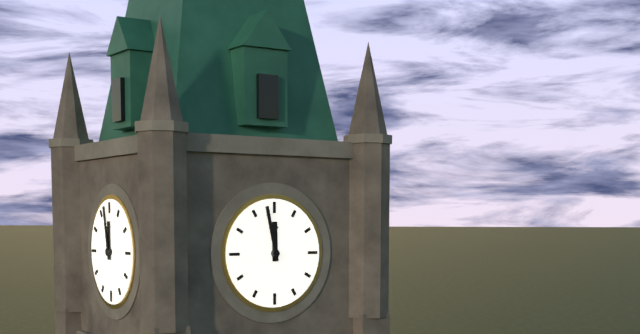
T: 11 h 58 min
